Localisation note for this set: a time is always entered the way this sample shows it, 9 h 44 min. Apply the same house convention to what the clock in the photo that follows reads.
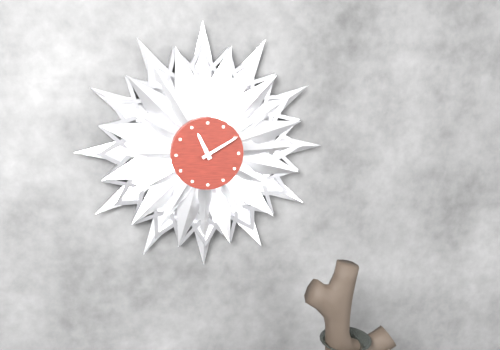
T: 11 h 10 min
